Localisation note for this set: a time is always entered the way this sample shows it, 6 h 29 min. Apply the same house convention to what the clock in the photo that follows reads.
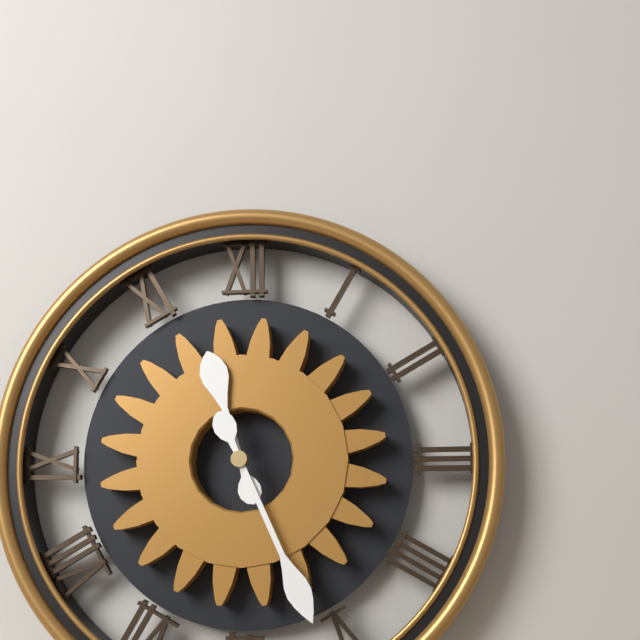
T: 11 h 26 min
